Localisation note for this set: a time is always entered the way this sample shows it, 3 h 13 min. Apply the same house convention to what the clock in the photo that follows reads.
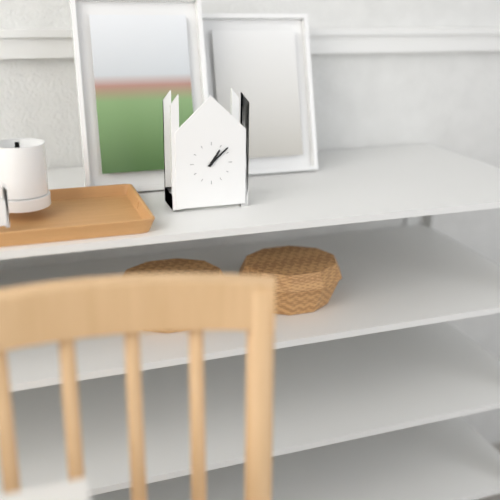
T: 1 h 08 min
